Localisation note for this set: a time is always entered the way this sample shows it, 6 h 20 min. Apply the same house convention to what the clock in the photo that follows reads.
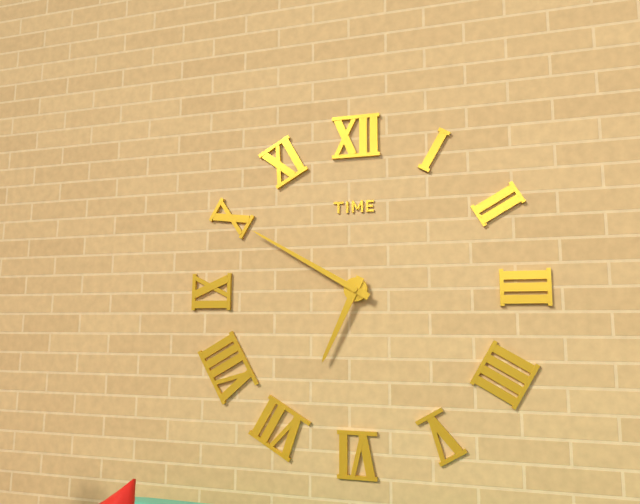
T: 6 h 50 min
